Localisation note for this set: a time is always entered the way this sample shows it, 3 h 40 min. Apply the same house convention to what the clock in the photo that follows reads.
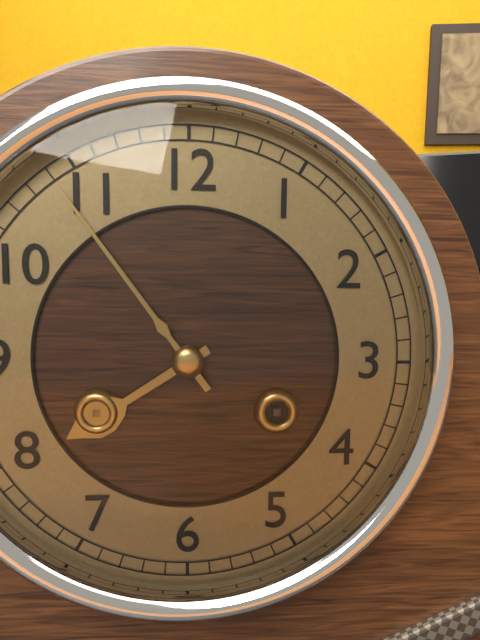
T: 7 h 54 min
